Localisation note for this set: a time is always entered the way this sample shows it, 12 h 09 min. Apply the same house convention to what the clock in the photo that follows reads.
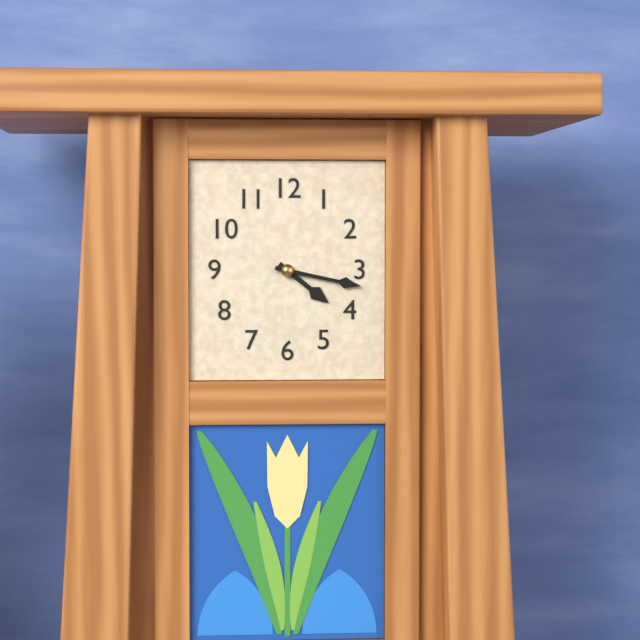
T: 4 h 17 min
